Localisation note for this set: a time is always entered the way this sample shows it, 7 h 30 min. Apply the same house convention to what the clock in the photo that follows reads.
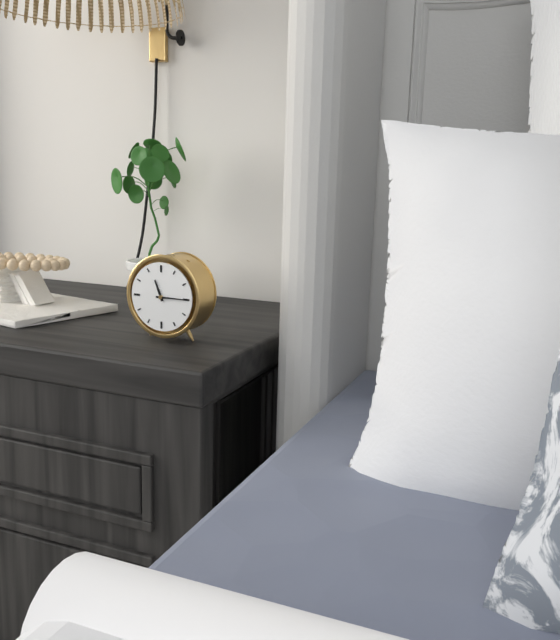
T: 11 h 15 min
